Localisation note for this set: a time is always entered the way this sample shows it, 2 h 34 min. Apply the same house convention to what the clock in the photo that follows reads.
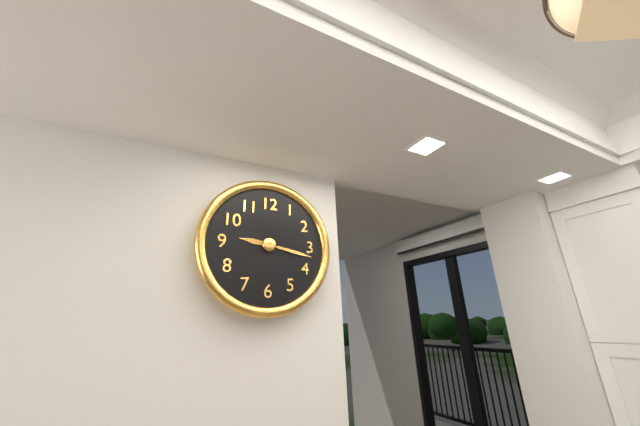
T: 9 h 17 min
